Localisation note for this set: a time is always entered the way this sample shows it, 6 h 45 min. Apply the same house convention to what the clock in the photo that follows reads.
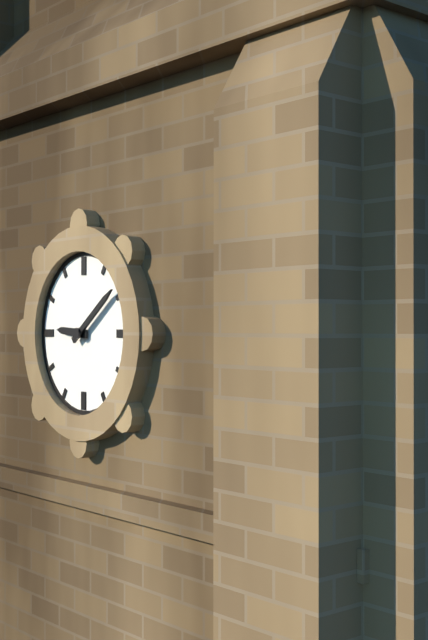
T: 9 h 09 min
